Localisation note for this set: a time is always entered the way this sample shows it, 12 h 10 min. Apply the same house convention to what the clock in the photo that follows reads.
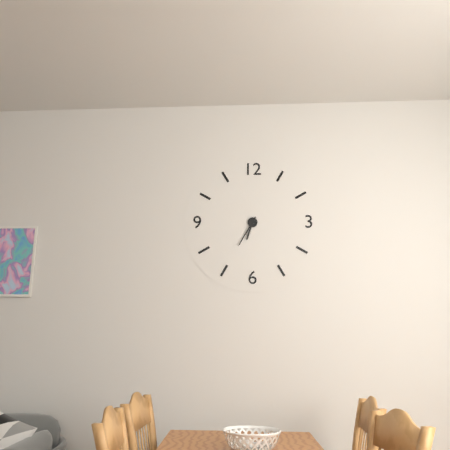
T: 6 h 35 min
